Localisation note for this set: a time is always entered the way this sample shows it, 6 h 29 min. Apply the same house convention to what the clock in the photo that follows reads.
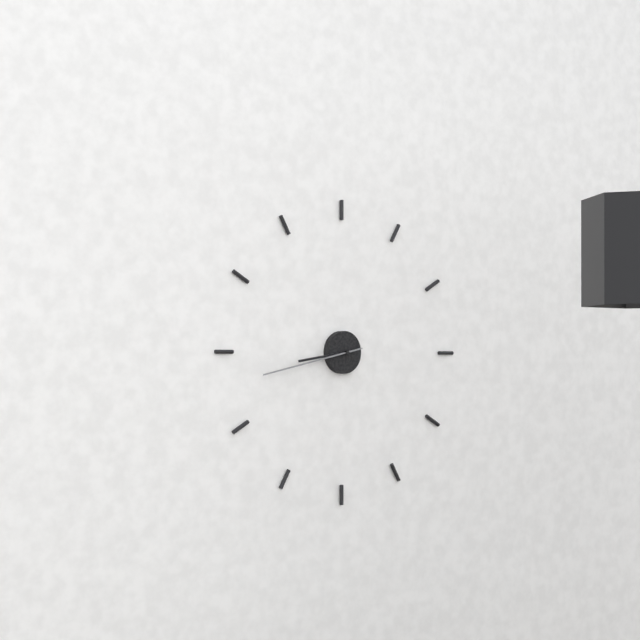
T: 8 h 43 min
